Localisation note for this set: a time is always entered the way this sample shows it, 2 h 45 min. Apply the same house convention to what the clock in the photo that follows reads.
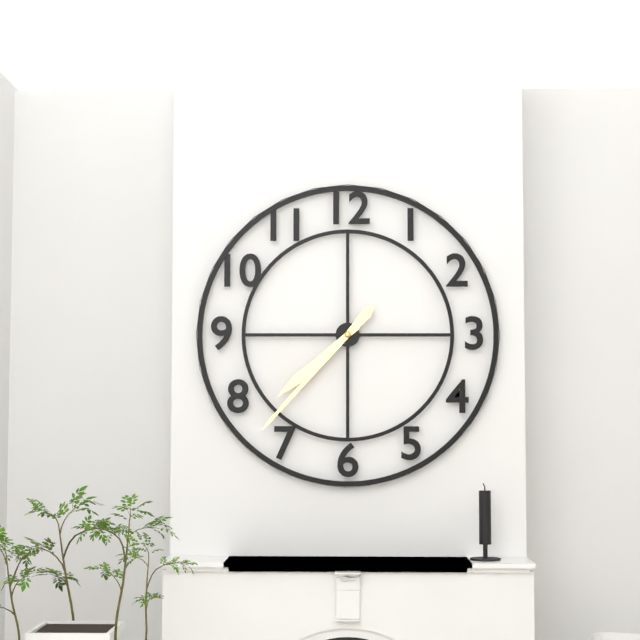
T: 7 h 37 min
